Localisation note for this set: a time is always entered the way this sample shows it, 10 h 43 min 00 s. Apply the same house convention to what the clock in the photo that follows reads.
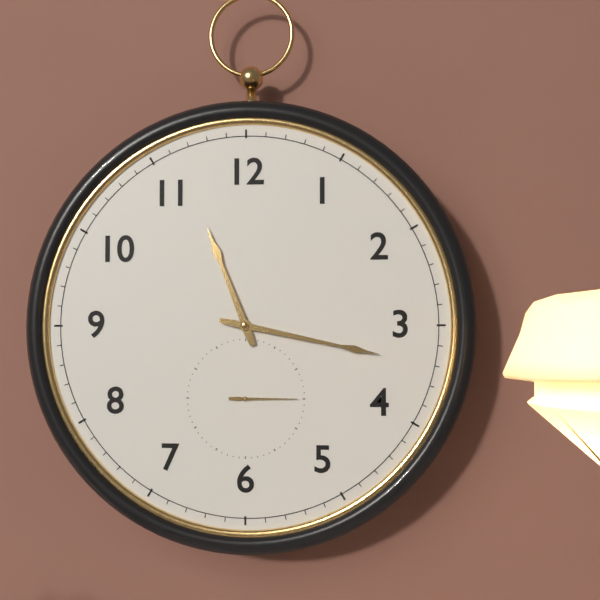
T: 11 h 17 min 15 s
